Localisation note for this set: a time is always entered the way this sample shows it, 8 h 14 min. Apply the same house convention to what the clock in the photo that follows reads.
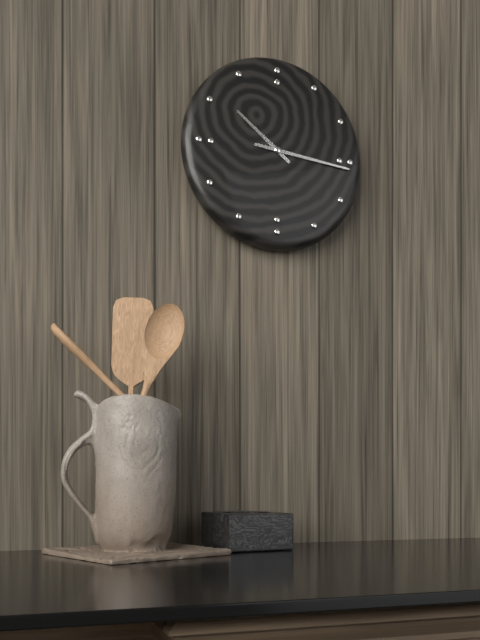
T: 10 h 16 min
